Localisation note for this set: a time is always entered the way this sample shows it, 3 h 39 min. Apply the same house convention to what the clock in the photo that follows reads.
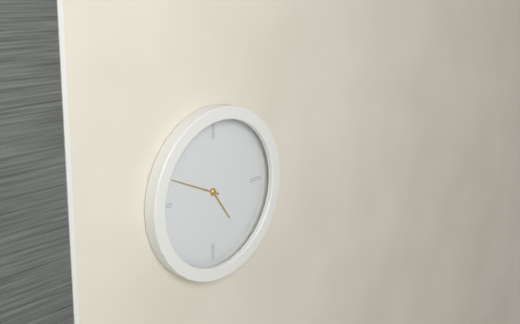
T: 4 h 49 min
